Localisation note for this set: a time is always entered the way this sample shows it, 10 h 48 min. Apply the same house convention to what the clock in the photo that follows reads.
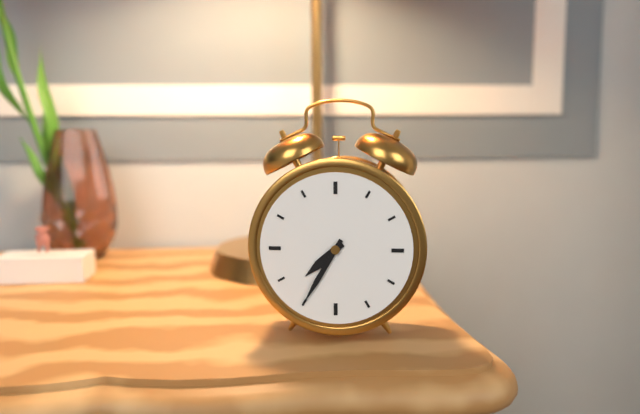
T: 7 h 35 min
